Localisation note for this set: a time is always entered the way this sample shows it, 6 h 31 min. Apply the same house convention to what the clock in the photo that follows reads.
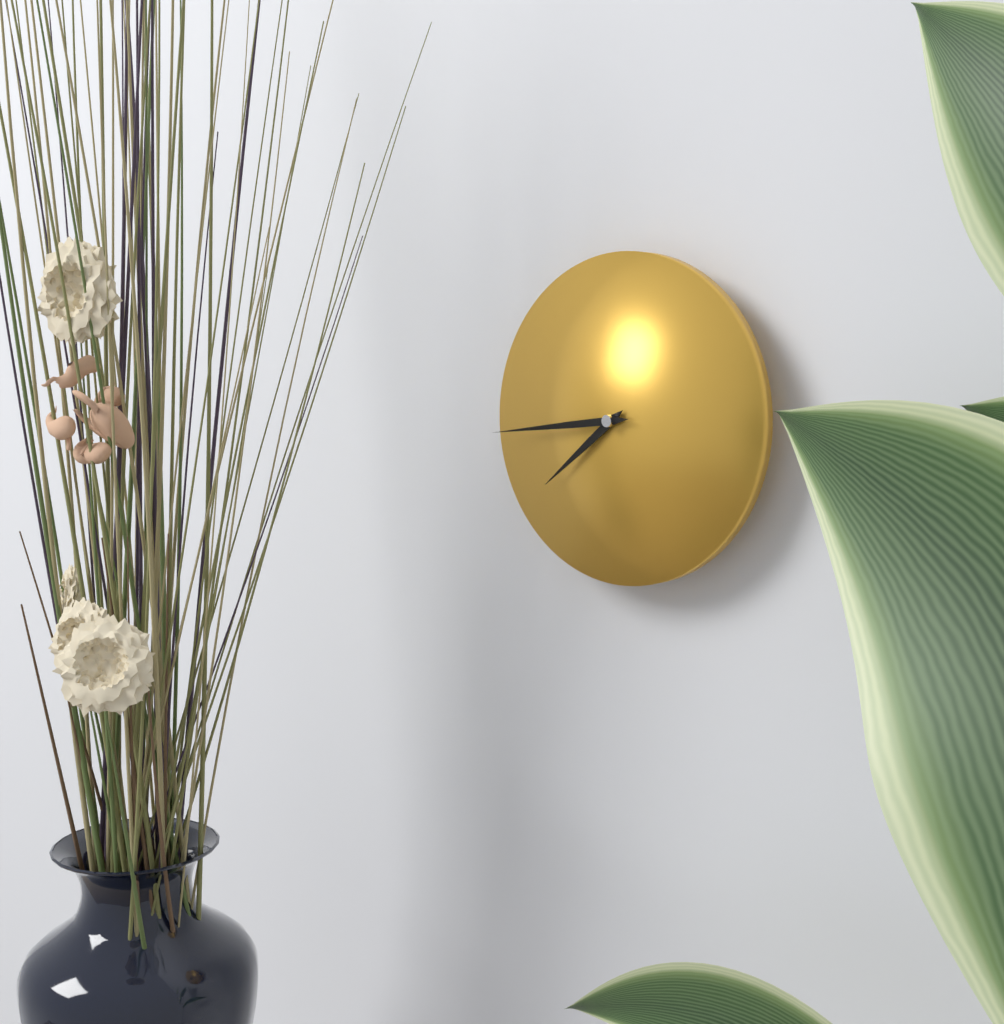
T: 7 h 44 min
